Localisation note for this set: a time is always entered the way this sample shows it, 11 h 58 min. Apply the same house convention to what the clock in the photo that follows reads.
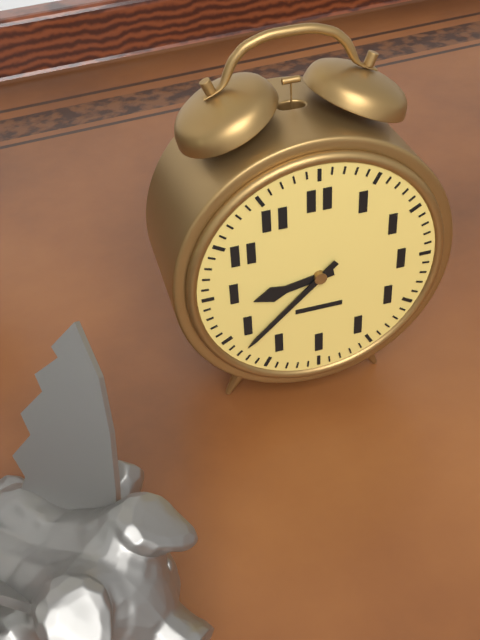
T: 8 h 38 min
